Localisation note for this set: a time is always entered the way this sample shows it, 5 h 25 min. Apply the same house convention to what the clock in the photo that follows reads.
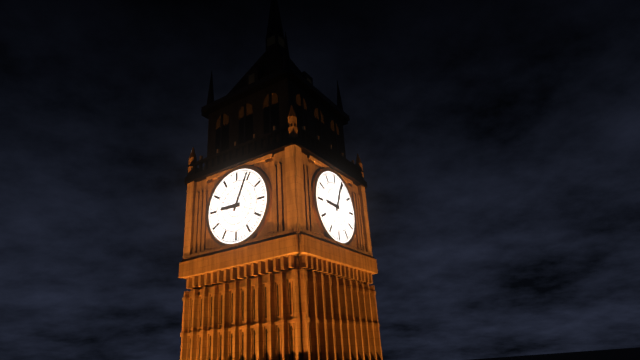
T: 9 h 04 min
